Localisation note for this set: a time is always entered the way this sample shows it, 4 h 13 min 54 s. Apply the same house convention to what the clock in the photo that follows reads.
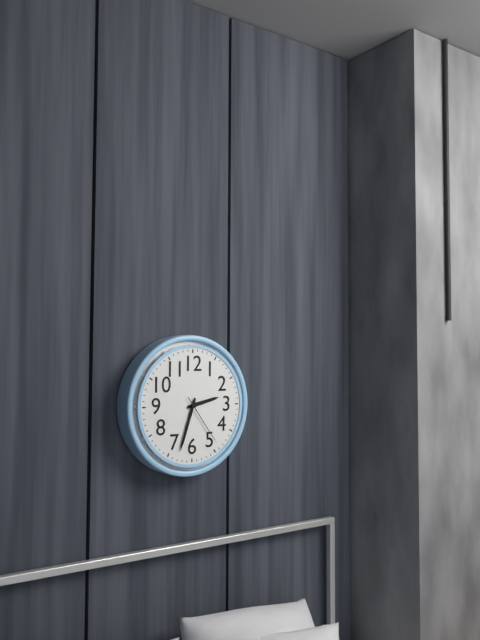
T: 2 h 33 min 24 s
